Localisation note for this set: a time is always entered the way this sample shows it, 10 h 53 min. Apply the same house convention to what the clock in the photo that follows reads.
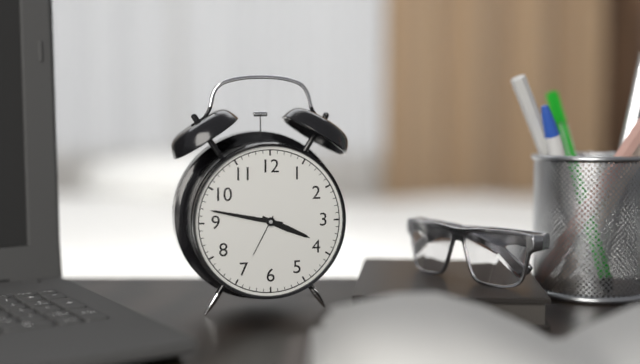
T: 3 h 47 min
